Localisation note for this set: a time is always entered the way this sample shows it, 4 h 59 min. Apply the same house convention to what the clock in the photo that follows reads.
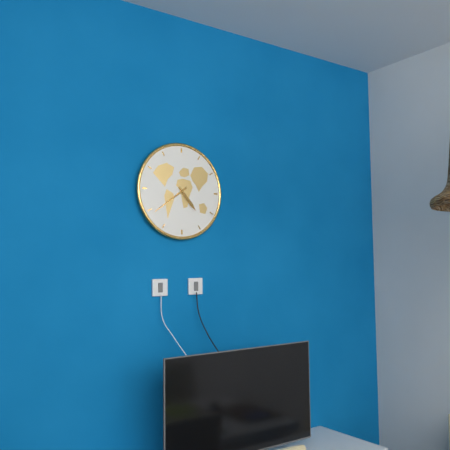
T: 4 h 39 min
